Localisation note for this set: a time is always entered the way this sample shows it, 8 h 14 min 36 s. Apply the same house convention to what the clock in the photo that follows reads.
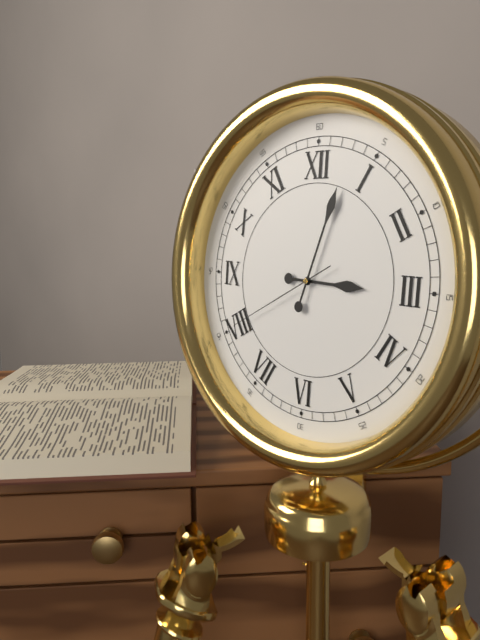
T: 3 h 03 min 40 s
